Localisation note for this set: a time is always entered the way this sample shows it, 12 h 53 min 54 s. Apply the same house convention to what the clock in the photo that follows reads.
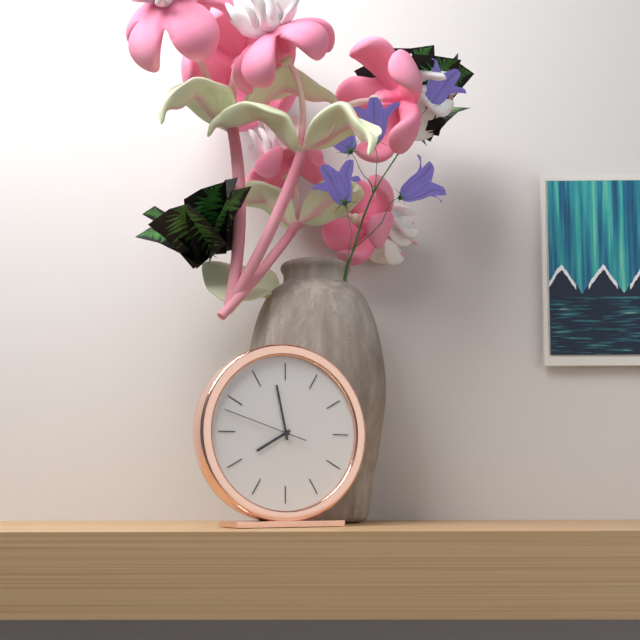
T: 7 h 58 min 48 s
